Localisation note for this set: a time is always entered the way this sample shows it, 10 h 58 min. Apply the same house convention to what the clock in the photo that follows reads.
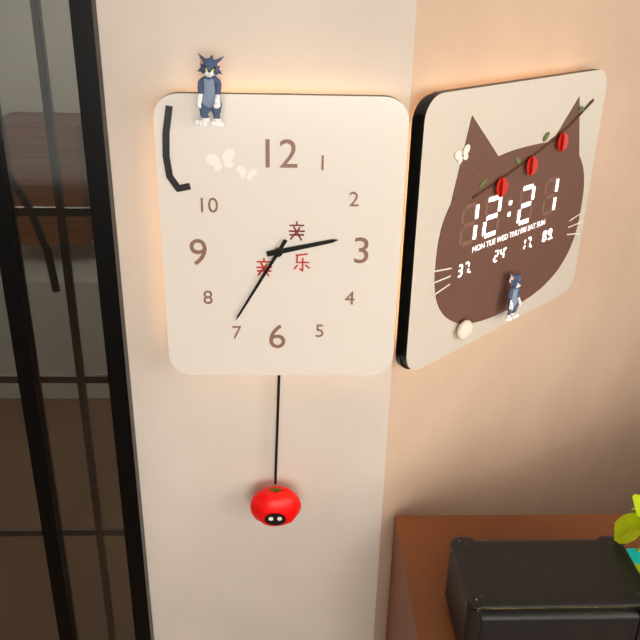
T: 2 h 35 min
